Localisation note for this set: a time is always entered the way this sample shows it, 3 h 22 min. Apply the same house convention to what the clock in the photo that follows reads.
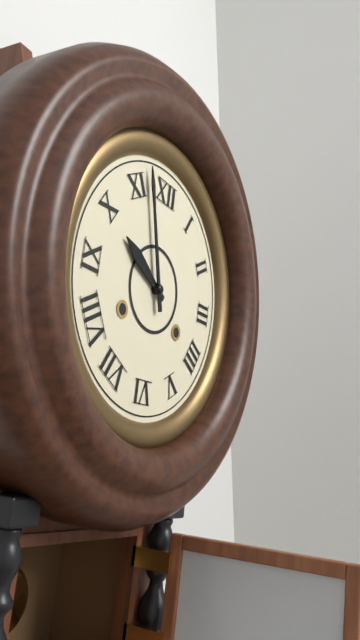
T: 9 h 57 min
